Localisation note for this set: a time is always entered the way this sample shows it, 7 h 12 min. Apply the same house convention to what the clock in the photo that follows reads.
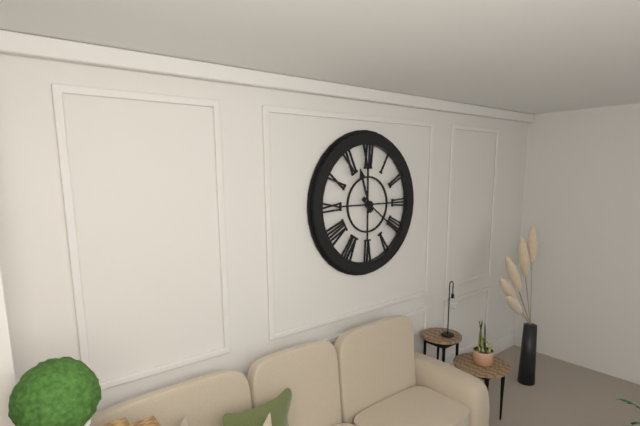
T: 11 h 21 min
